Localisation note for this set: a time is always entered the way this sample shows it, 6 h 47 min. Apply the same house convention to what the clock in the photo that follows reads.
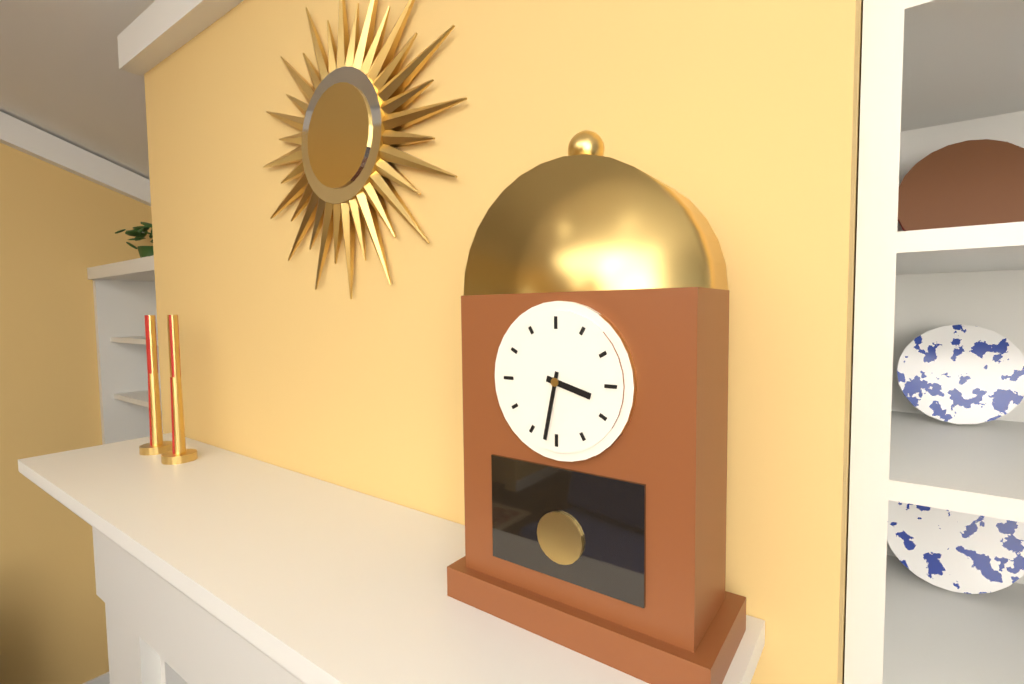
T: 3 h 32 min
